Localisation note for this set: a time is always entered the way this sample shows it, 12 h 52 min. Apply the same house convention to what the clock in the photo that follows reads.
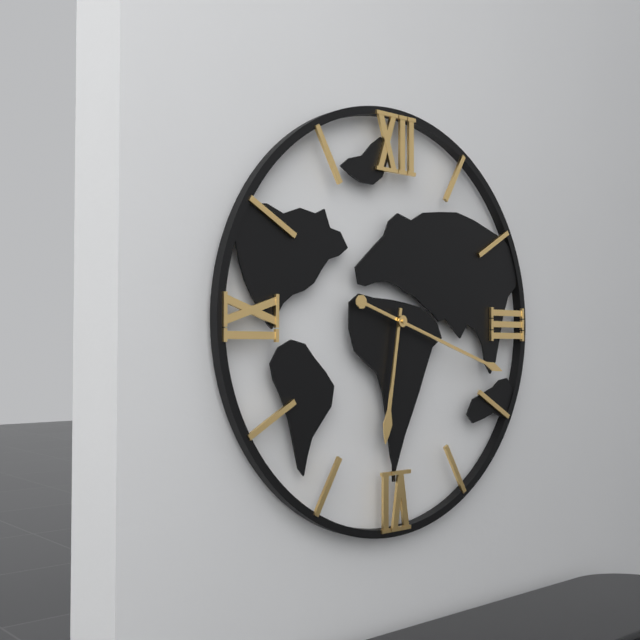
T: 6 h 18 min
